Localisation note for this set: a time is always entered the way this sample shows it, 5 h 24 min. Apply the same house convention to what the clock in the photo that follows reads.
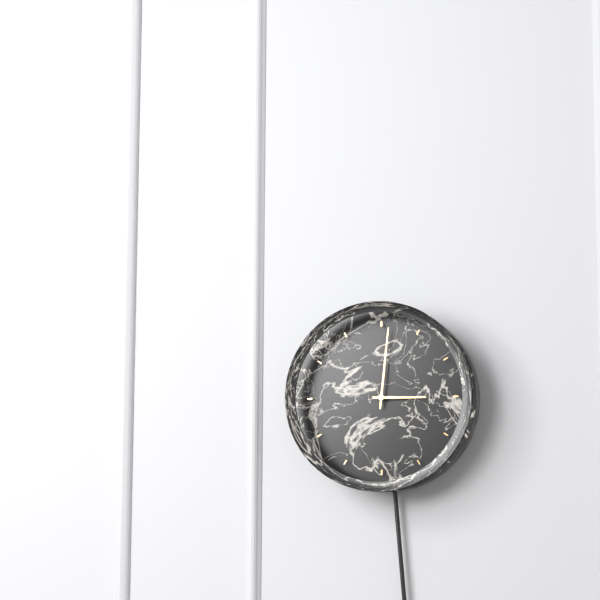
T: 3 h 01 min
